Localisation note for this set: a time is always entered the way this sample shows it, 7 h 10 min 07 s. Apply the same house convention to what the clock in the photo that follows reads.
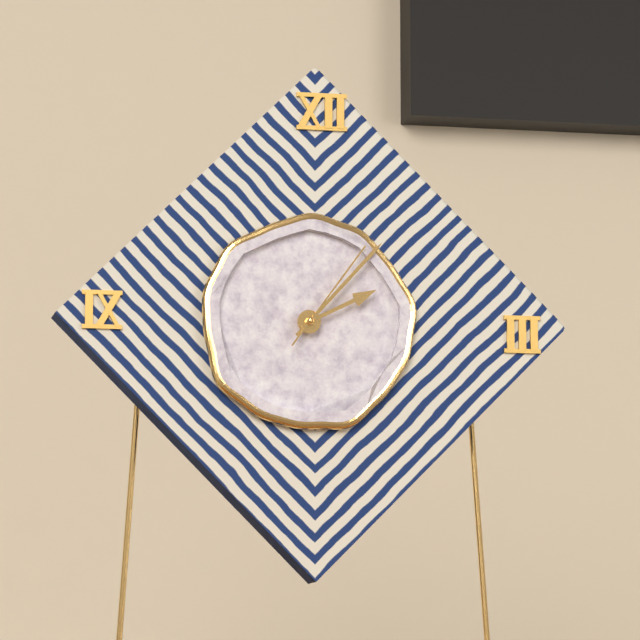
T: 2 h 07 min 06 s
